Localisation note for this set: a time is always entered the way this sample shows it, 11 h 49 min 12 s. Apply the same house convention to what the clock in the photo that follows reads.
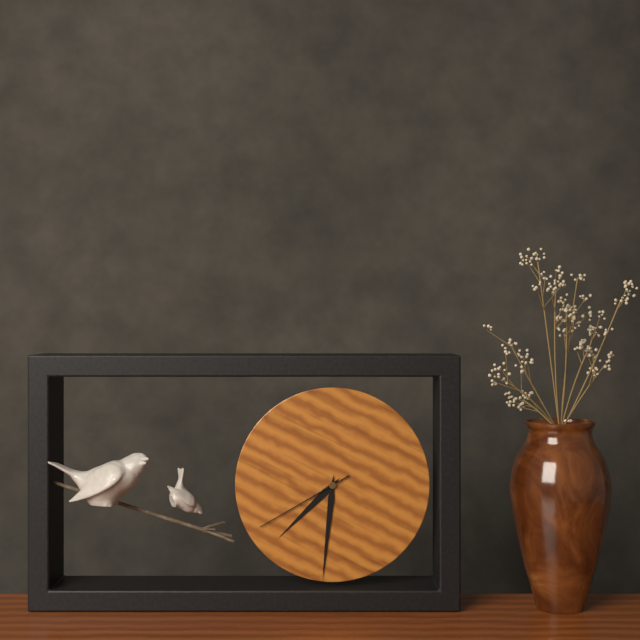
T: 7 h 31 min 40 s
